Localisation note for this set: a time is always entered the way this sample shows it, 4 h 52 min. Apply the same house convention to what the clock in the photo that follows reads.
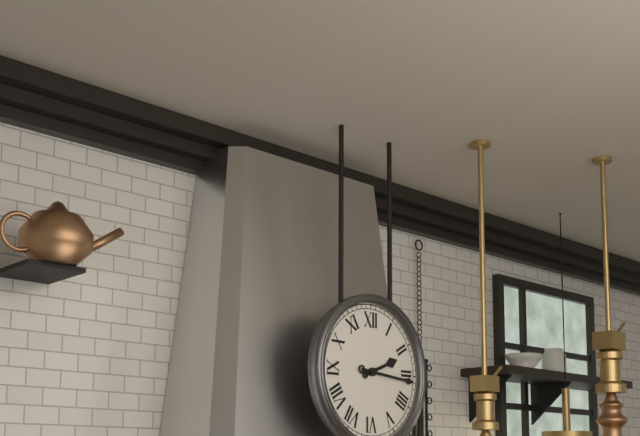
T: 2 h 16 min
